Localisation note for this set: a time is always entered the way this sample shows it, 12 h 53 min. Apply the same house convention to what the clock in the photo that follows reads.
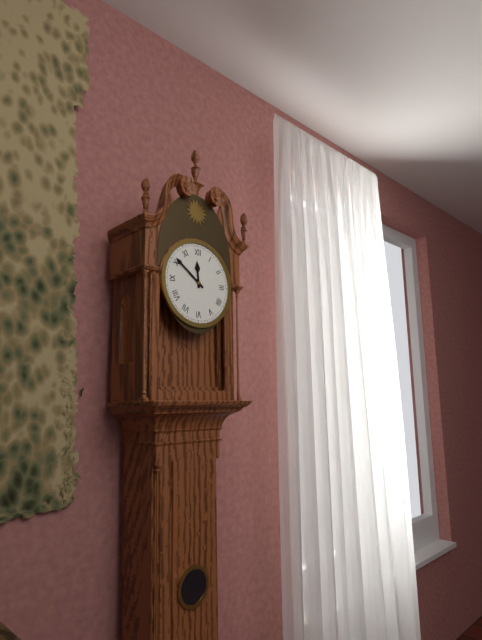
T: 11 h 51 min
